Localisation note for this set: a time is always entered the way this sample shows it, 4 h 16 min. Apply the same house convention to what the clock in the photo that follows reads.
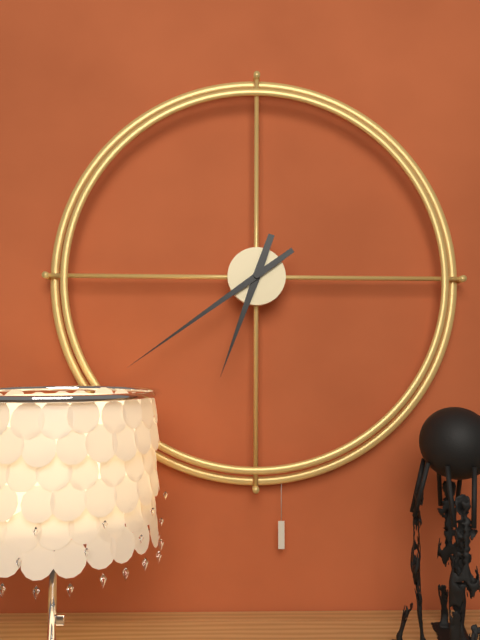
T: 6 h 39 min
